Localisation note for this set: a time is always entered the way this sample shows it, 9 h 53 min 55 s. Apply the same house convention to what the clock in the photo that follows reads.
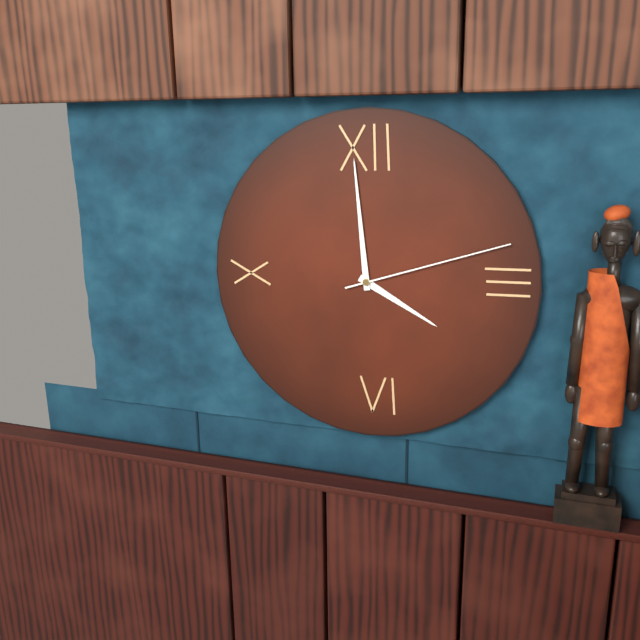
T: 3 h 59 min 12 s
